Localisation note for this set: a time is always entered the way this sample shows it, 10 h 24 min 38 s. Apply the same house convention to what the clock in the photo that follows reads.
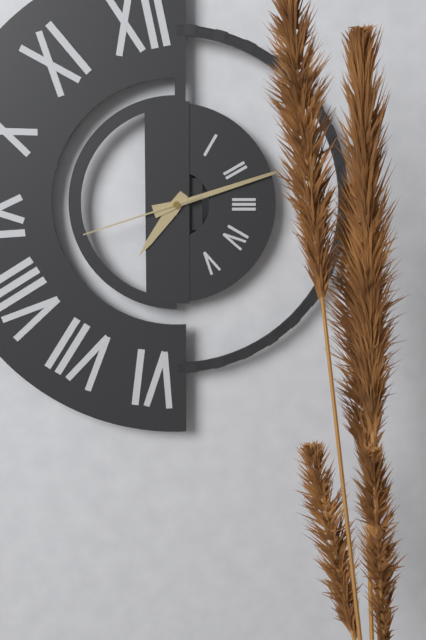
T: 7 h 12 min 42 s
